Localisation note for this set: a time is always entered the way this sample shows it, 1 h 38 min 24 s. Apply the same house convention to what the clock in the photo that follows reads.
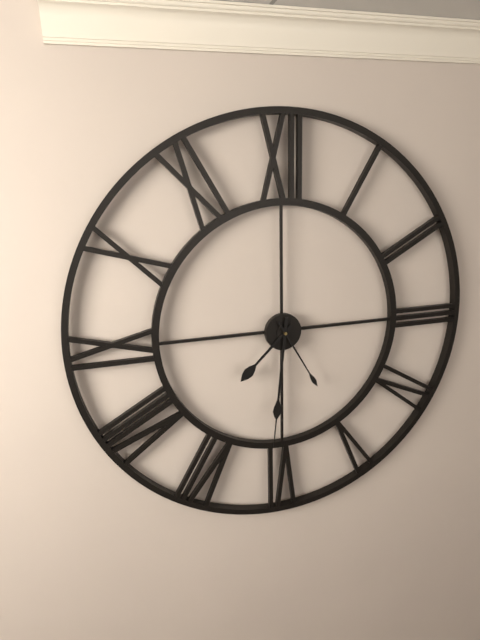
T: 7 h 31 min 25 s
